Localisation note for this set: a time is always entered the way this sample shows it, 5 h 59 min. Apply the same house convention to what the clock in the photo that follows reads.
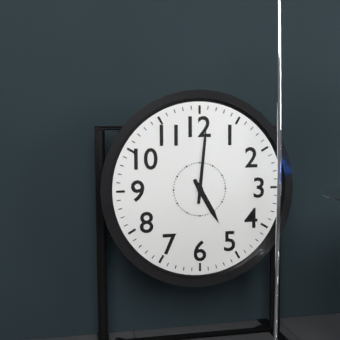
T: 5 h 01 min
